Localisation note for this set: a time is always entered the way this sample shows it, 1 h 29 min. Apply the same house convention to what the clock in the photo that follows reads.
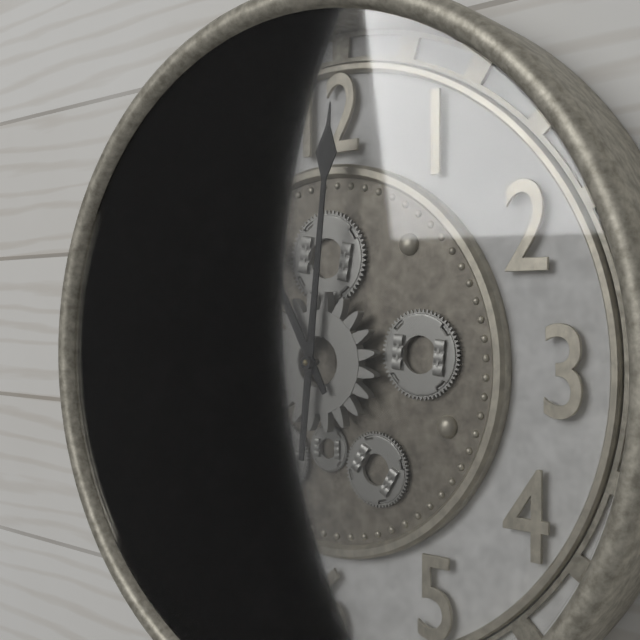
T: 11 h 01 min
